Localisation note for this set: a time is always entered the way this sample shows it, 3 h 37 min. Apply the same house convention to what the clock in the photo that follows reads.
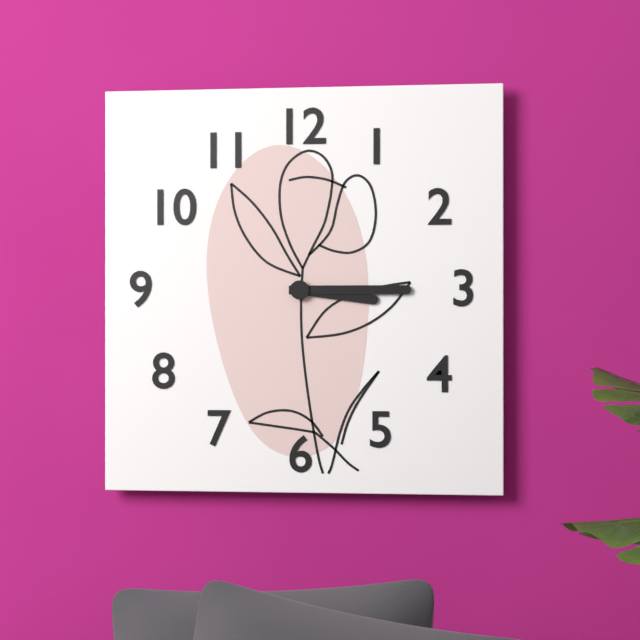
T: 3 h 15 min
